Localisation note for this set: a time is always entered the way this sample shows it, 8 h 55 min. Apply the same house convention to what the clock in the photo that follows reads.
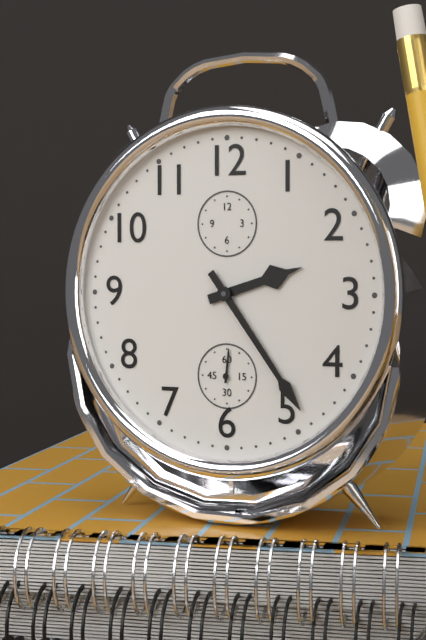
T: 2 h 24 min
